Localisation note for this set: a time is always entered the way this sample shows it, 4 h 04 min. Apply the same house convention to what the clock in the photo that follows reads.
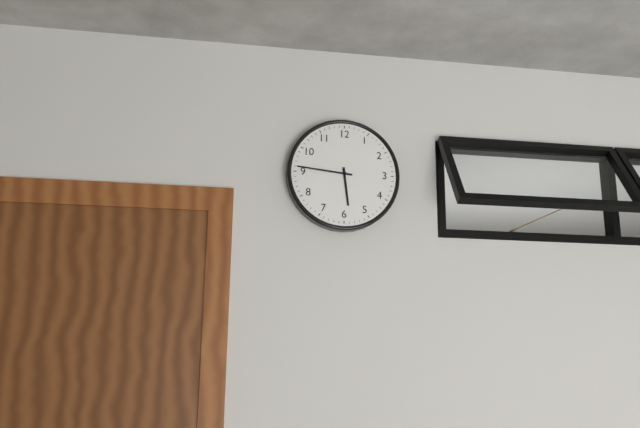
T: 5 h 46 min
